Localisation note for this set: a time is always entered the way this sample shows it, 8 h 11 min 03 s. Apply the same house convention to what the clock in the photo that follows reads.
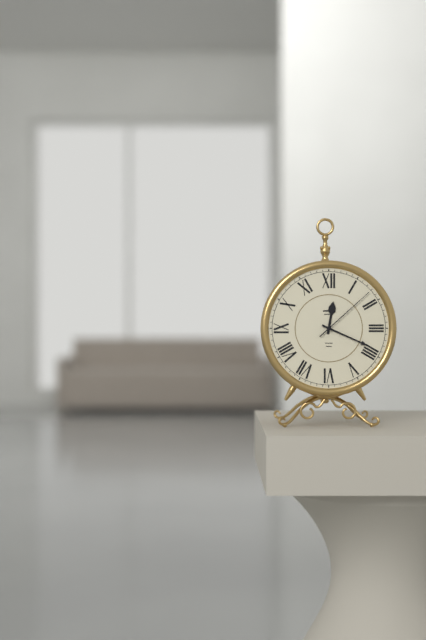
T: 12 h 19 min 08 s
